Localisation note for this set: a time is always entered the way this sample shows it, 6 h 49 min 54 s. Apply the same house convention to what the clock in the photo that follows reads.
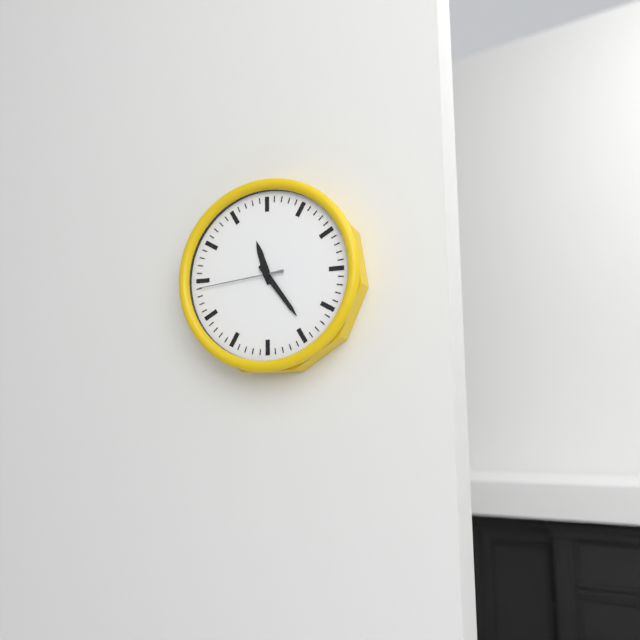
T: 11 h 24 min 44 s
